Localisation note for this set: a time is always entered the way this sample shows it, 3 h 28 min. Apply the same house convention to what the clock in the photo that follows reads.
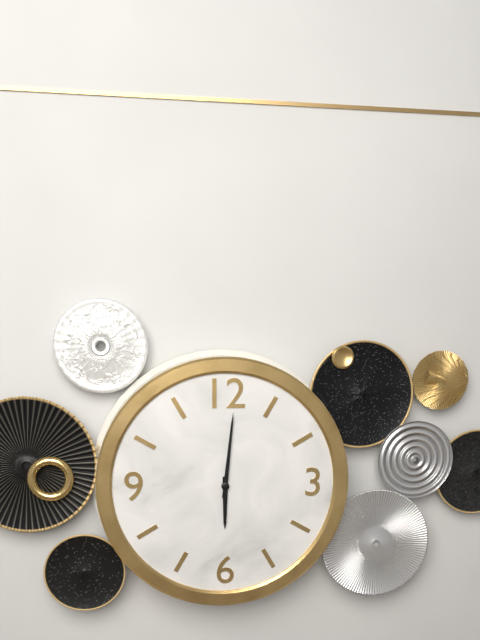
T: 6 h 01 min
